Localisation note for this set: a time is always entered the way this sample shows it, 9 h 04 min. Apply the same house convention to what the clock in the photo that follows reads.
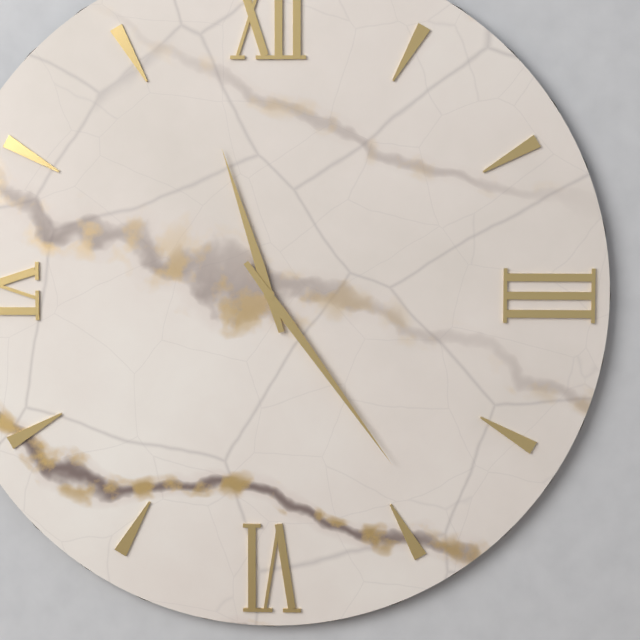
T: 11 h 24 min
